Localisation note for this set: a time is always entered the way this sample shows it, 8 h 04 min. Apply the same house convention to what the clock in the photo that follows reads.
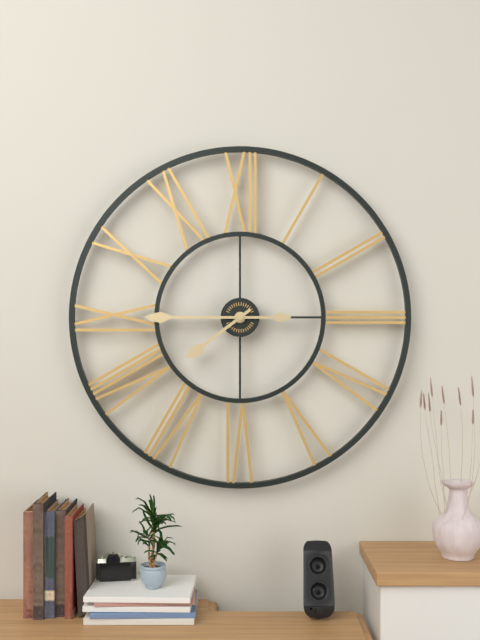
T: 7 h 45 min
